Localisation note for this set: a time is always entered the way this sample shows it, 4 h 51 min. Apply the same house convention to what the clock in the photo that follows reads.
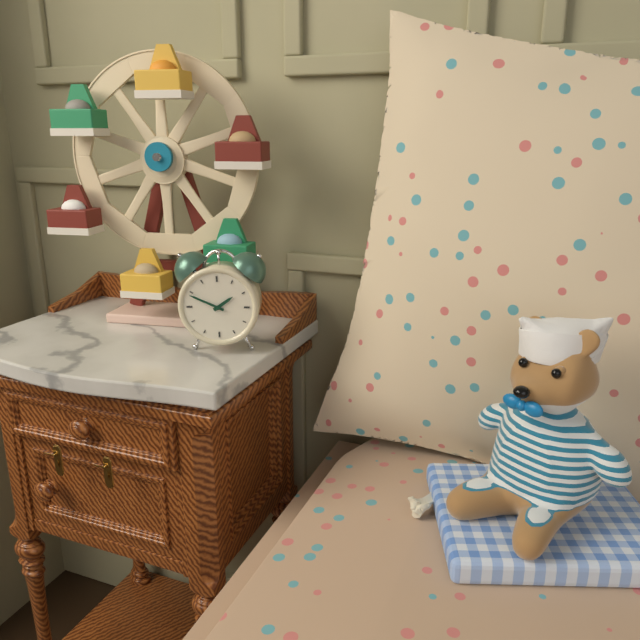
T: 1 h 49 min
